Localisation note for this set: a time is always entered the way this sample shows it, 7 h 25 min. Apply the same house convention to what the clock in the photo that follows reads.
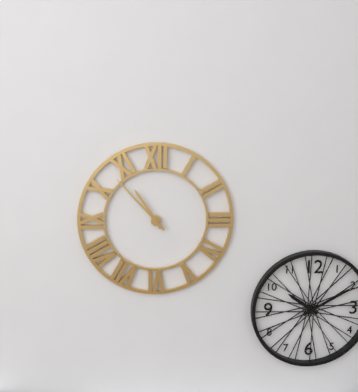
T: 10 h 53 min
